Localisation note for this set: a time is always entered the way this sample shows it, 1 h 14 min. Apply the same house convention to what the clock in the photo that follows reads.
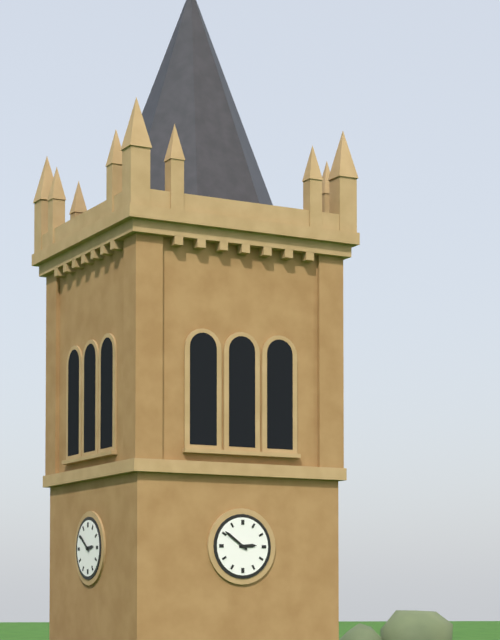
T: 2 h 51 min
